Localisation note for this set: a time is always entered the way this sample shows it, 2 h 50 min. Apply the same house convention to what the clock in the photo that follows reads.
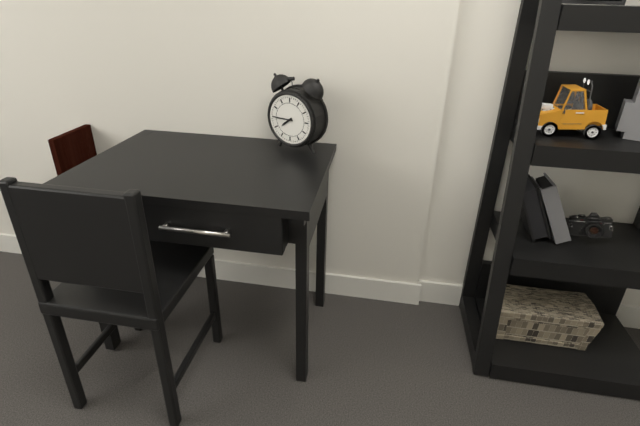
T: 7 h 45 min
